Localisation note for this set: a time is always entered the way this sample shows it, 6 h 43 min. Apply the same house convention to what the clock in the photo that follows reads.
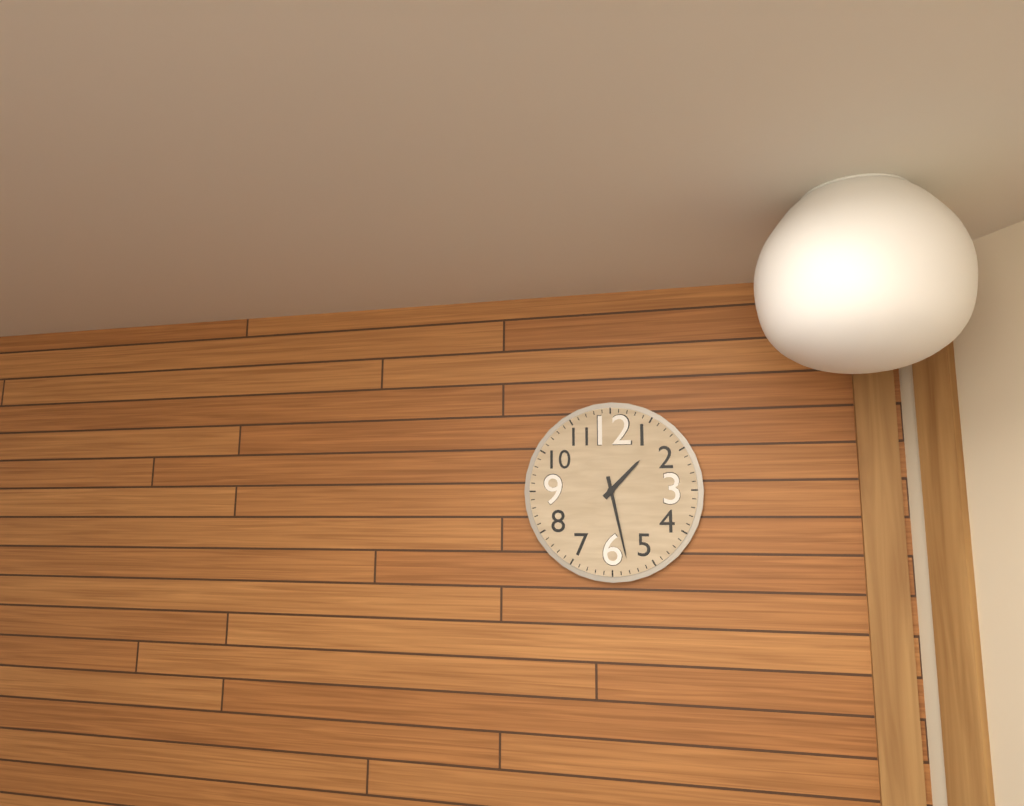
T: 1 h 28 min
